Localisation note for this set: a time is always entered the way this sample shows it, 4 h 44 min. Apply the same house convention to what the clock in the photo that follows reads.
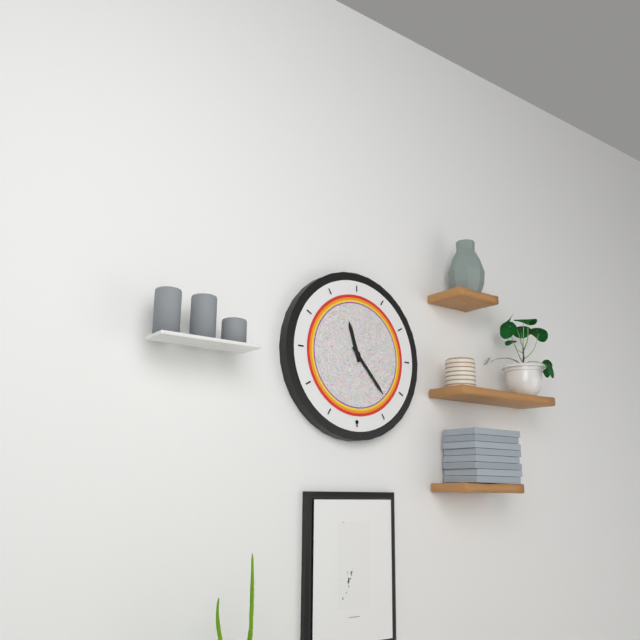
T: 11 h 23 min
